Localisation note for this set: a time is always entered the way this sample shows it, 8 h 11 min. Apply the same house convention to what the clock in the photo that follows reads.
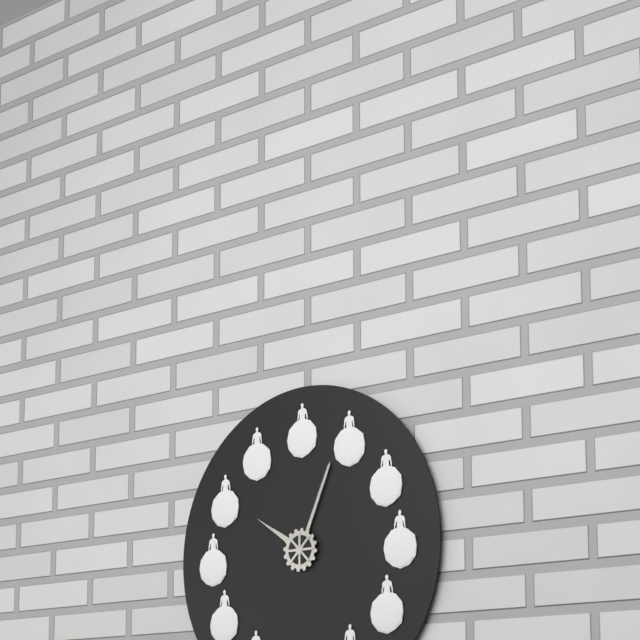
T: 10 h 04 min
